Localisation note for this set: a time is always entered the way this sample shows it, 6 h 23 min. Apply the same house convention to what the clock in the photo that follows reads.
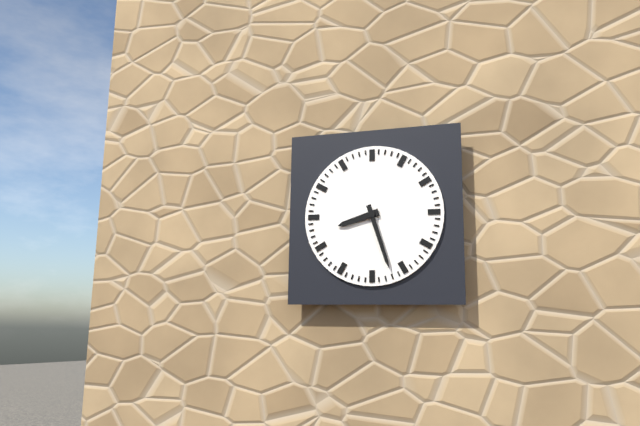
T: 8 h 27 min
